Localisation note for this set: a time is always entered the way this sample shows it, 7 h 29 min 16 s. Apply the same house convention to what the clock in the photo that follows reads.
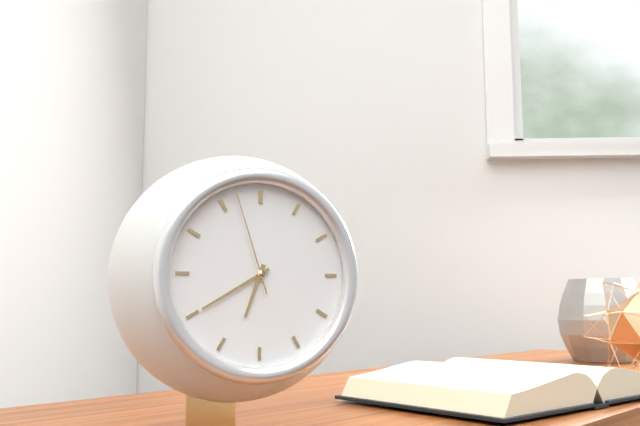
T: 6 h 40 min 57 s
